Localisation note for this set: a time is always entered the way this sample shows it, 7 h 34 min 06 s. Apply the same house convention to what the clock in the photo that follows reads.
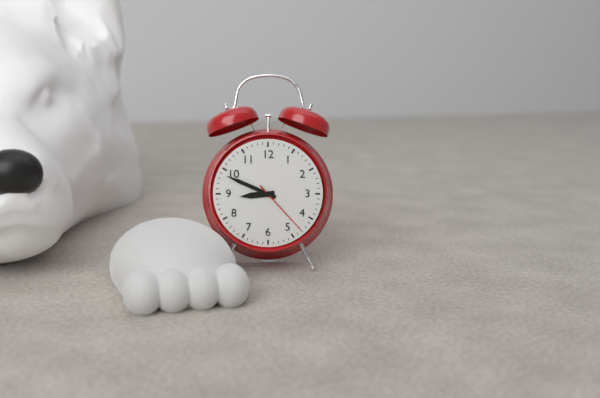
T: 8 h 49 min 23 s
